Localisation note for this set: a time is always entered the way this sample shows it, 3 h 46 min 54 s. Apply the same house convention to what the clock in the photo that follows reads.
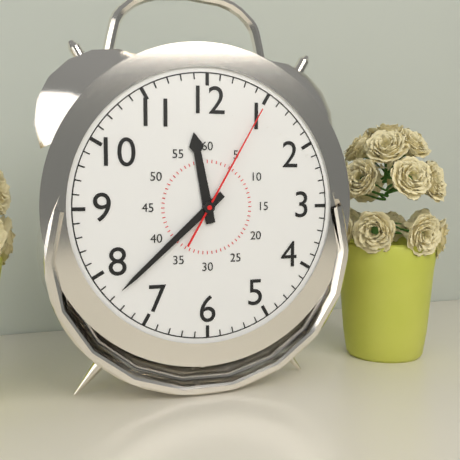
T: 11 h 38 min 05 s
